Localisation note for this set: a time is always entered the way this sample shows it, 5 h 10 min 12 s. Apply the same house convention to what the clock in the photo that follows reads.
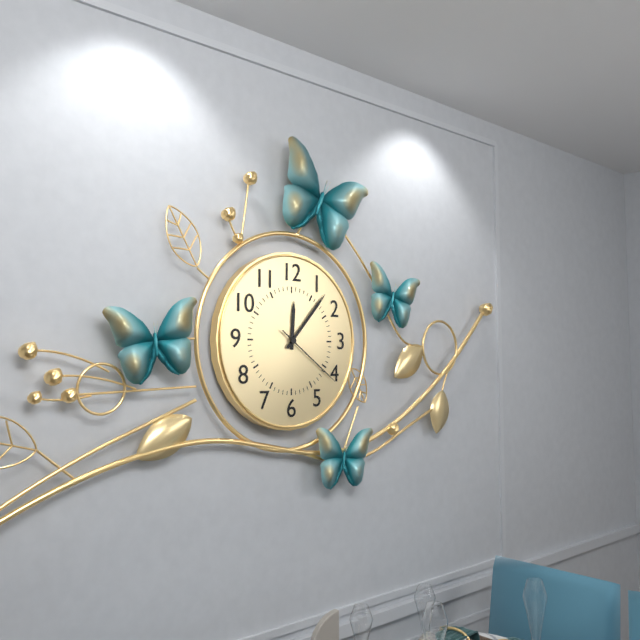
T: 12 h 07 min 21 s
